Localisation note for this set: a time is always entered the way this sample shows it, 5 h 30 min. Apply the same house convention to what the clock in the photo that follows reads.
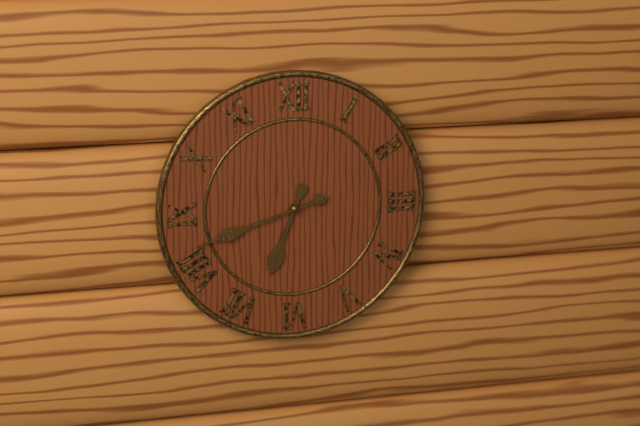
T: 6 h 42 min
